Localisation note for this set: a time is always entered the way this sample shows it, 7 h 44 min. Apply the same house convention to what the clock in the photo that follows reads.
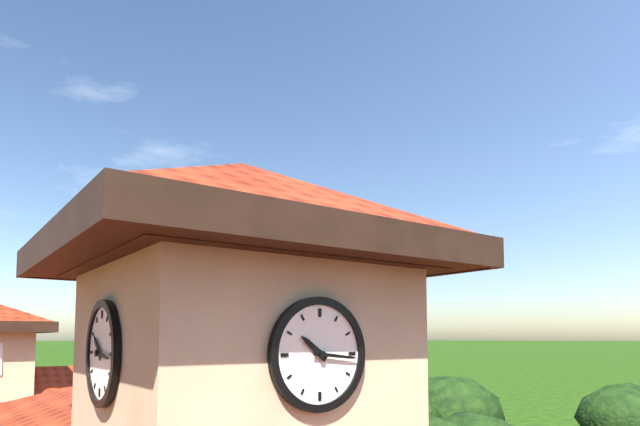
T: 10 h 16 min
